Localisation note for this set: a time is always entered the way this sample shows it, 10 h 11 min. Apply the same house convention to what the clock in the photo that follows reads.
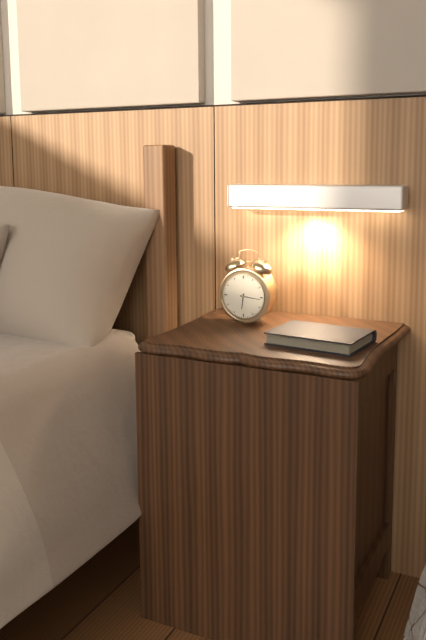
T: 6 h 16 min
